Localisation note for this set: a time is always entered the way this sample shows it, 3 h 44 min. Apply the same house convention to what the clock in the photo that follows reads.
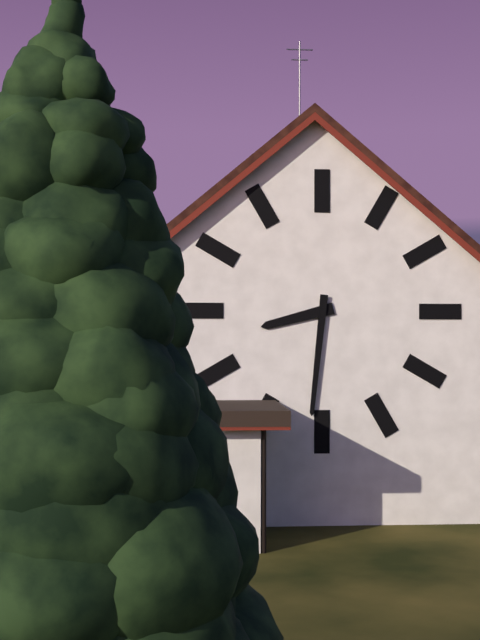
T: 8 h 31 min
